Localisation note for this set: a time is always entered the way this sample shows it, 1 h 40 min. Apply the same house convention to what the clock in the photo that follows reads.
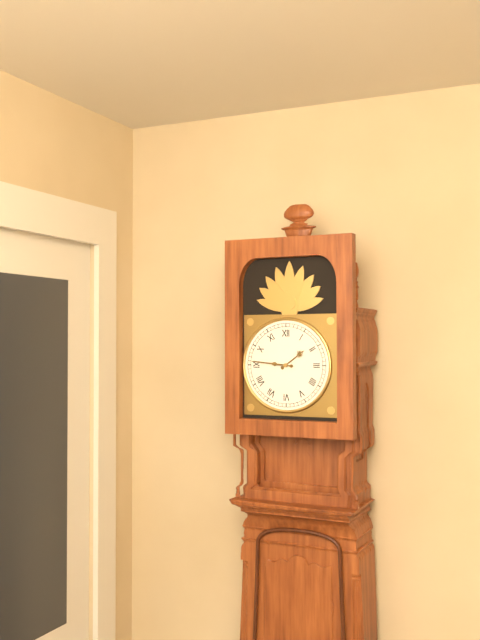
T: 1 h 46 min
